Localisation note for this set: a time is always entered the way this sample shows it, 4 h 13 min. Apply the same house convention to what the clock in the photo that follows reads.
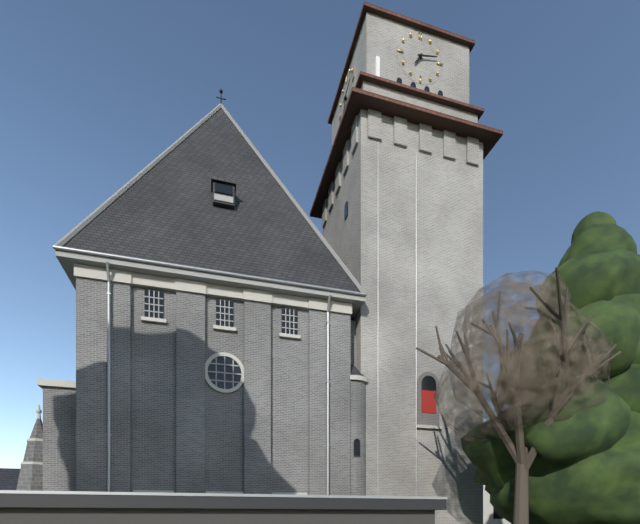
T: 7 h 13 min
